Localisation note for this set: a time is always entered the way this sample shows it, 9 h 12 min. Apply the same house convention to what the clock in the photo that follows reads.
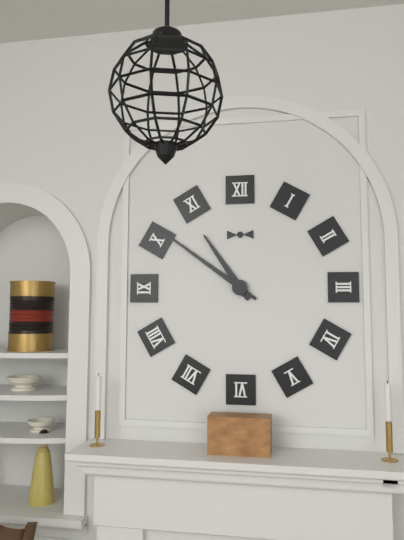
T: 10 h 51 min
